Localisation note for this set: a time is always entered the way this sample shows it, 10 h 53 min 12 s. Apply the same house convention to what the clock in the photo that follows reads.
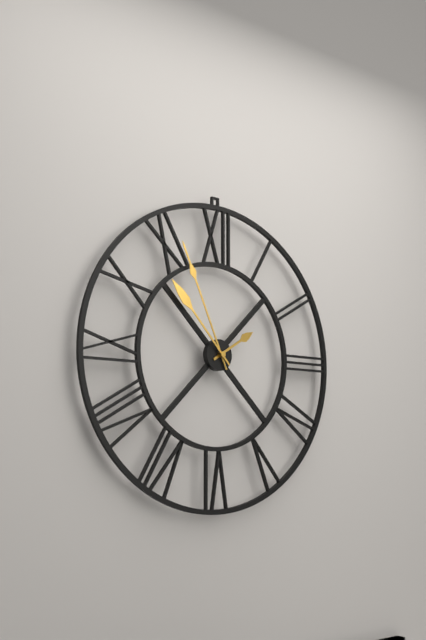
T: 1 h 56 min 53 s
